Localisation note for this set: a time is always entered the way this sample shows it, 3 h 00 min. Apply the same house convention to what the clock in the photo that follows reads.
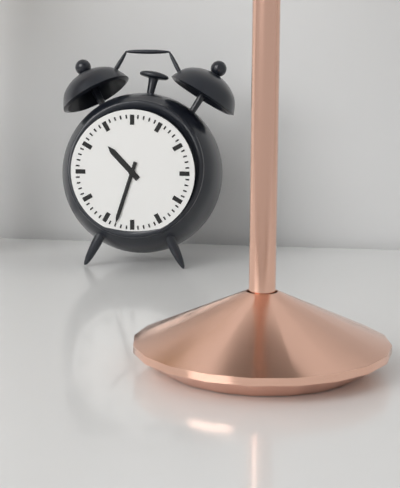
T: 10 h 33 min
